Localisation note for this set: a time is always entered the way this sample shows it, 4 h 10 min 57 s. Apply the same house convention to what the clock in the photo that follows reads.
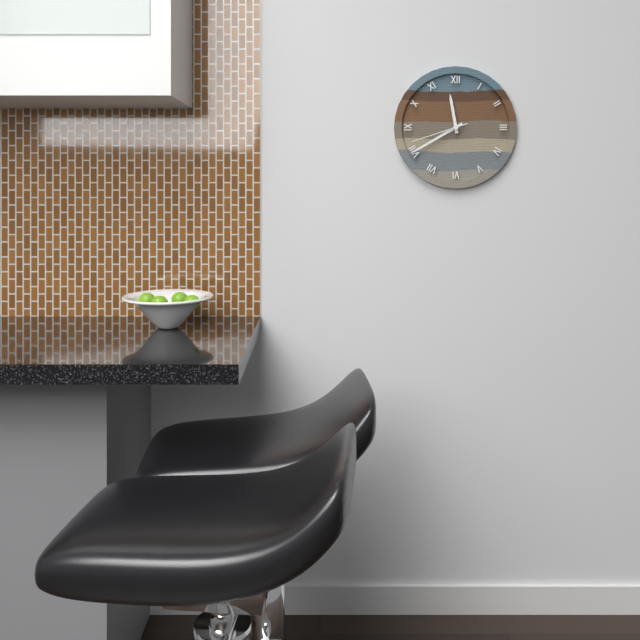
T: 11 h 40 min 42 s
